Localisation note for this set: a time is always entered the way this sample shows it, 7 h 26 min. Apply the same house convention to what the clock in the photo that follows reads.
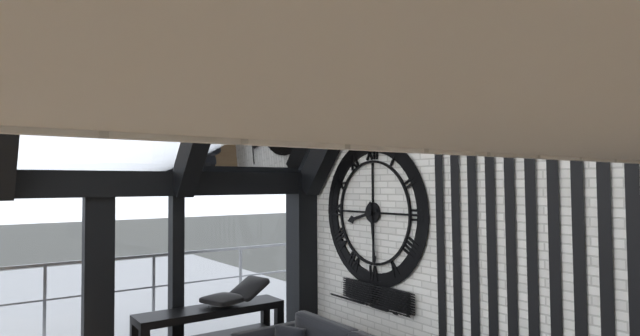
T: 8 h 29 min
